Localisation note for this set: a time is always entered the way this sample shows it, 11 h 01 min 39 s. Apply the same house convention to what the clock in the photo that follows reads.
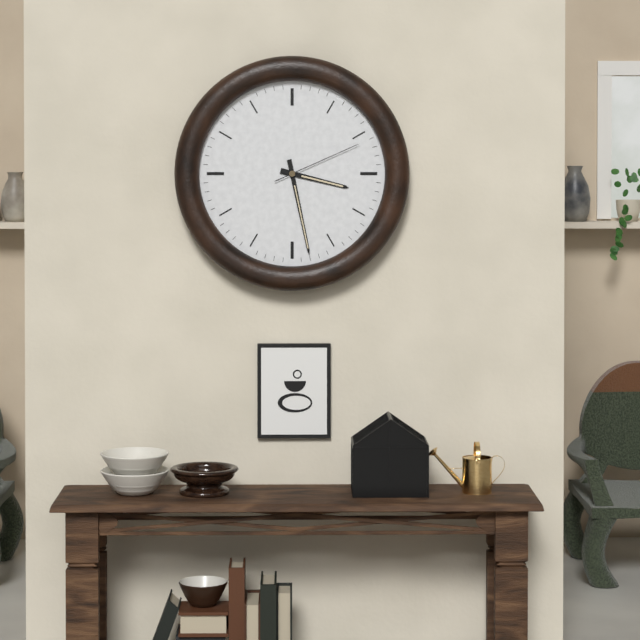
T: 3 h 28 min 11 s
